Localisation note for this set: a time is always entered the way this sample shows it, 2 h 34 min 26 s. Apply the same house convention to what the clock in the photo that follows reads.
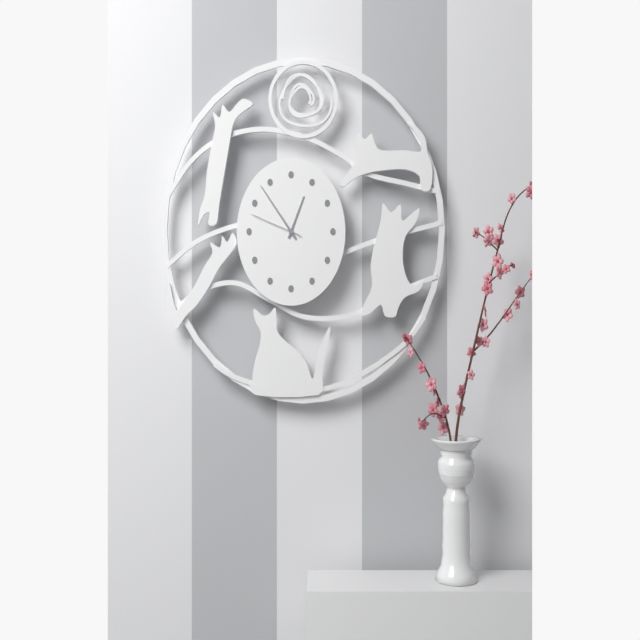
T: 12 h 53 min 48 s
